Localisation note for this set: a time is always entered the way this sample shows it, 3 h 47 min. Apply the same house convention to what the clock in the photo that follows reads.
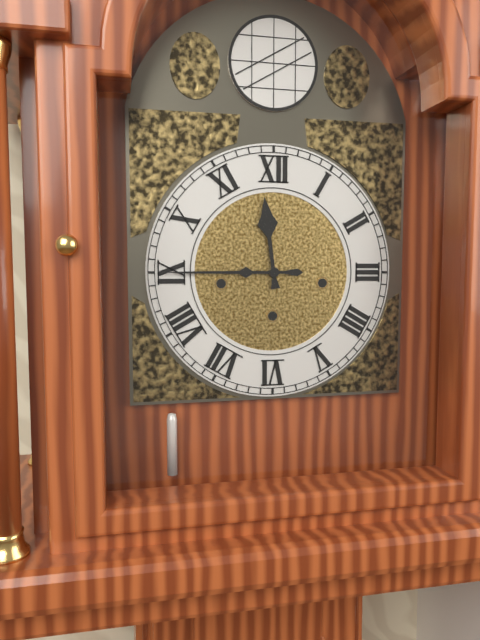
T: 11 h 45 min
